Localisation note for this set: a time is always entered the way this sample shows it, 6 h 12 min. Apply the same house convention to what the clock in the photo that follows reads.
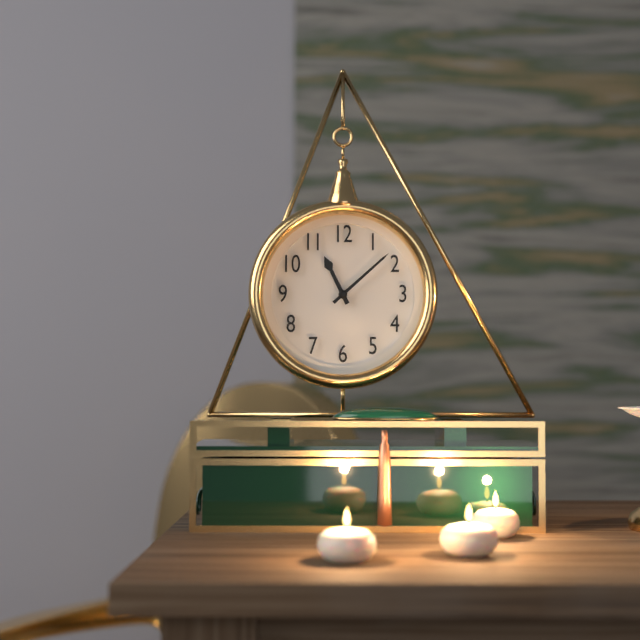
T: 11 h 08 min
